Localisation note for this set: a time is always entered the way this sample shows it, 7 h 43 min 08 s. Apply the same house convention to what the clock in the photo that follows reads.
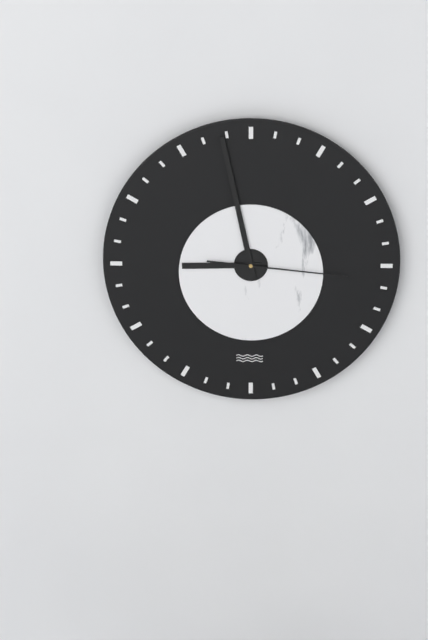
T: 8 h 58 min 16 s
